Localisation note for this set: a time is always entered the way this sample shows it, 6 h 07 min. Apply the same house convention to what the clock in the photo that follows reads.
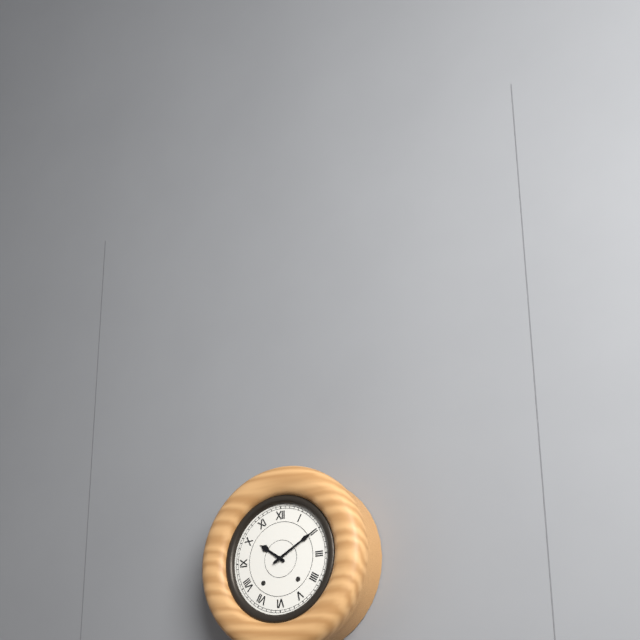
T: 10 h 10 min
